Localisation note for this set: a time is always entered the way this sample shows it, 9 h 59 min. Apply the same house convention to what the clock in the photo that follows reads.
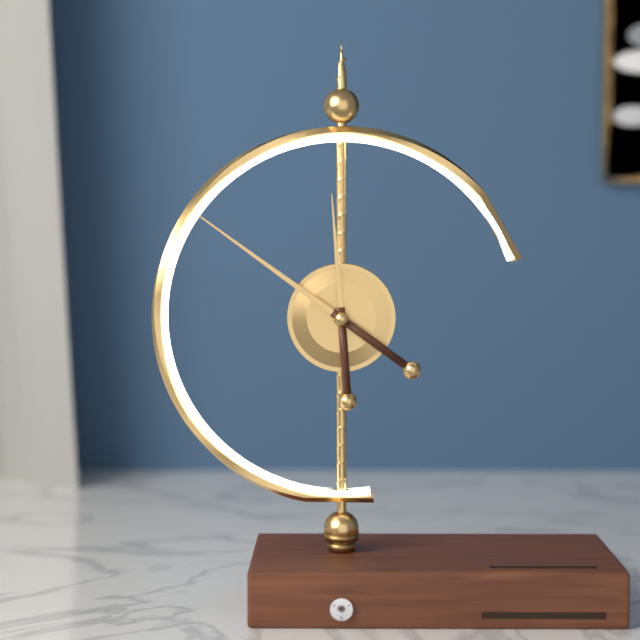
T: 11 h 51 min
